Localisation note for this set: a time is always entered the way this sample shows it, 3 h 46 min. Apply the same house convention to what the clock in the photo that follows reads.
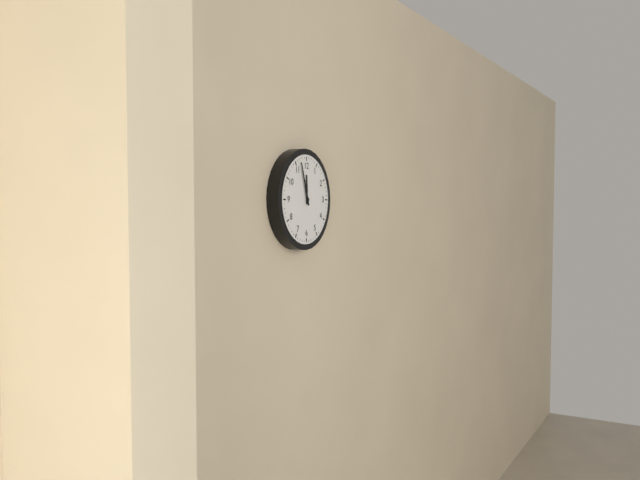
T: 11 h 57 min
